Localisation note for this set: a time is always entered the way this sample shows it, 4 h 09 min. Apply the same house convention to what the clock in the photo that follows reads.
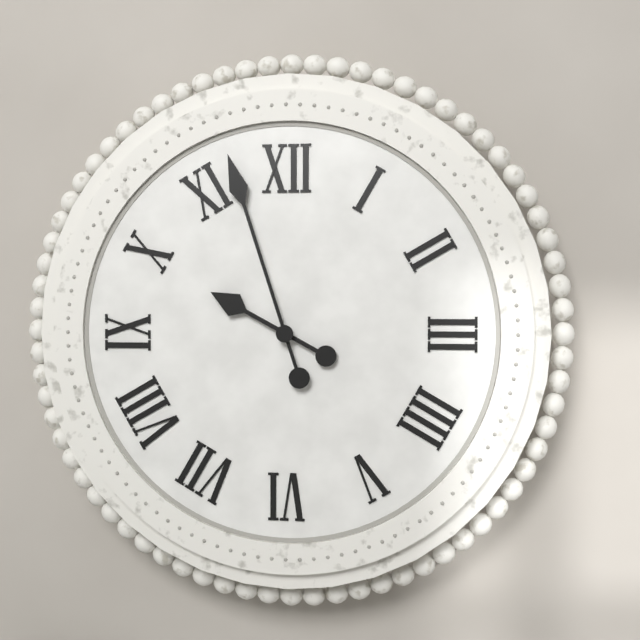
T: 9 h 57 min
